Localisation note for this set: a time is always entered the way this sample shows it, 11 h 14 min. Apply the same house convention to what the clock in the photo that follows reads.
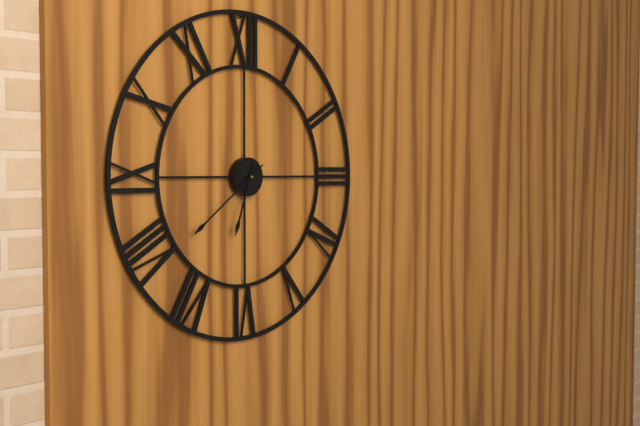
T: 6 h 39 min
